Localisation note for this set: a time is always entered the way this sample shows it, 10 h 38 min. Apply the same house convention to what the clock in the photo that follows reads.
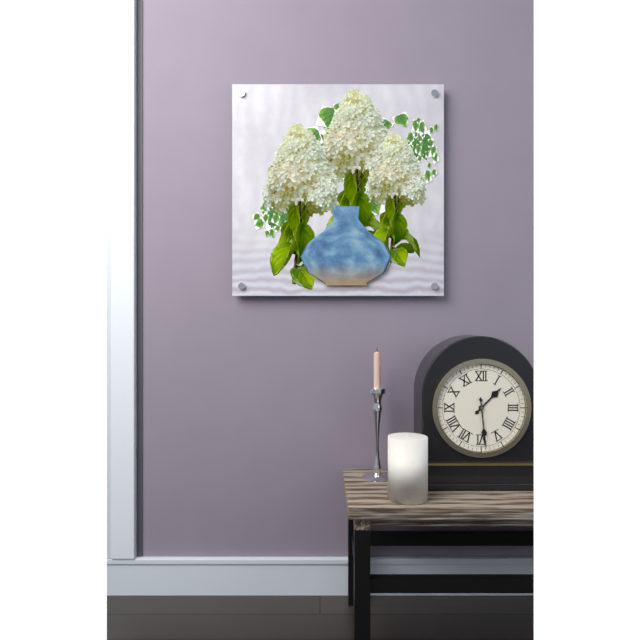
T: 1 h 29 min
